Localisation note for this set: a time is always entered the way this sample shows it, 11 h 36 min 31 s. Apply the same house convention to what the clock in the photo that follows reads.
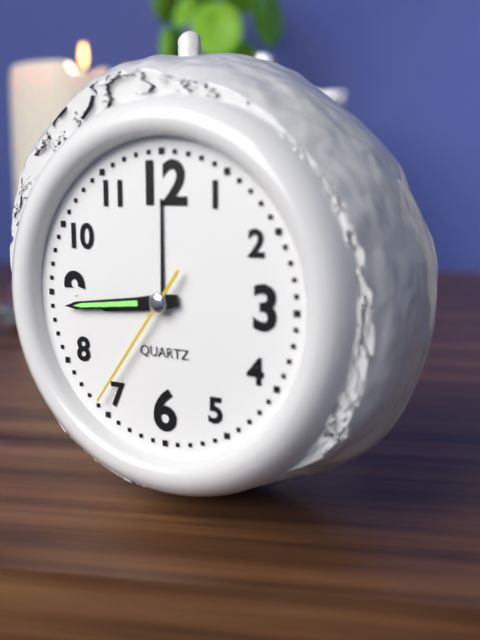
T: 8 h 44 min 36 s
